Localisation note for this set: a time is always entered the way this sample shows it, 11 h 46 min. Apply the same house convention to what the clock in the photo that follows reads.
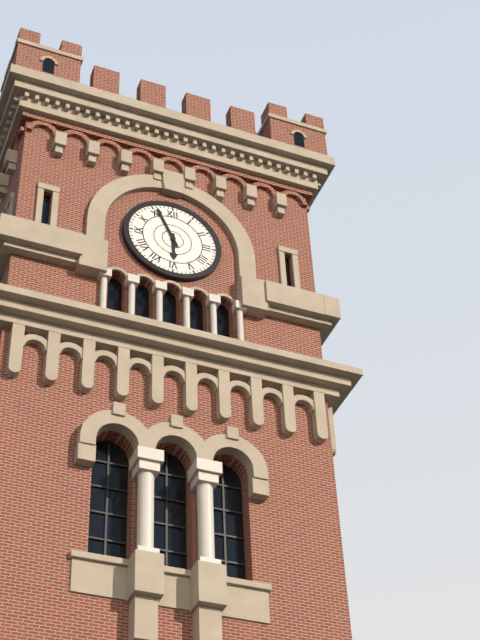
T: 5 h 56 min
